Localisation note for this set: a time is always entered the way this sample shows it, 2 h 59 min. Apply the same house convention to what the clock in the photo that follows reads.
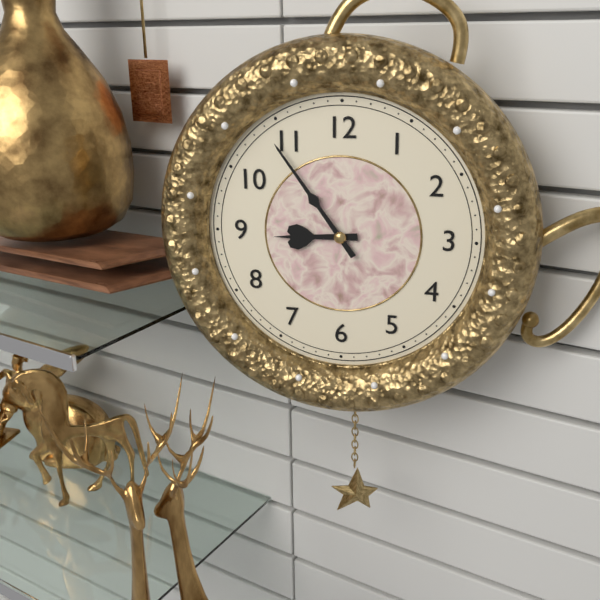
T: 8 h 54 min
